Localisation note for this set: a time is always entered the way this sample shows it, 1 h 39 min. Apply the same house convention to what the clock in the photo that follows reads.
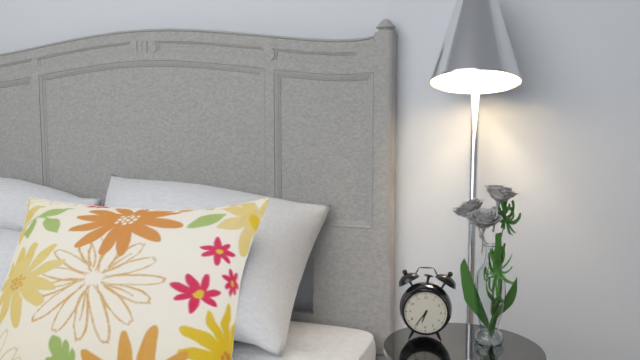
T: 6 h 36 min
